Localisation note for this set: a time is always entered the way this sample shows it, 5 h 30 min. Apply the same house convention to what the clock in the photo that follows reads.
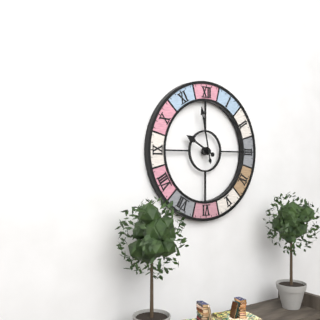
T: 9 h 58 min
